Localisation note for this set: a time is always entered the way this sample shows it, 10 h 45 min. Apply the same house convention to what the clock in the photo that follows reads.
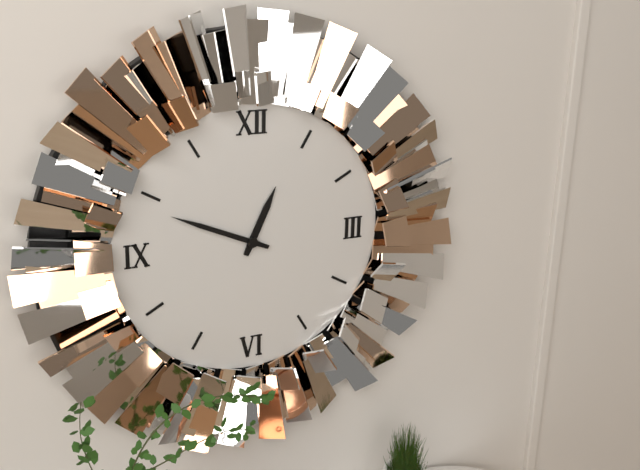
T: 12 h 49 min
